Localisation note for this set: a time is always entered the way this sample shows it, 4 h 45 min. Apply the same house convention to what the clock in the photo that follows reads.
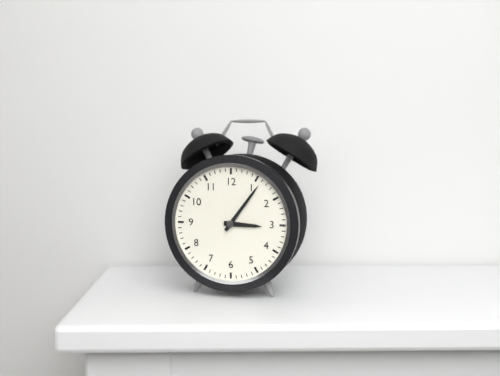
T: 3 h 06 min
